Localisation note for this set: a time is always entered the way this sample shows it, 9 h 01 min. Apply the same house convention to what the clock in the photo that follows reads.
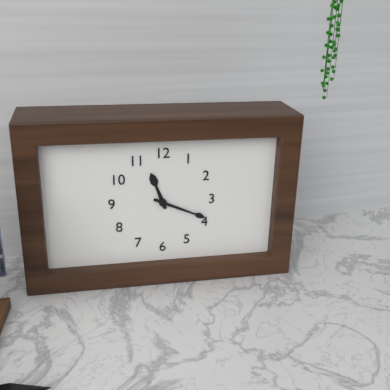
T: 11 h 19 min
